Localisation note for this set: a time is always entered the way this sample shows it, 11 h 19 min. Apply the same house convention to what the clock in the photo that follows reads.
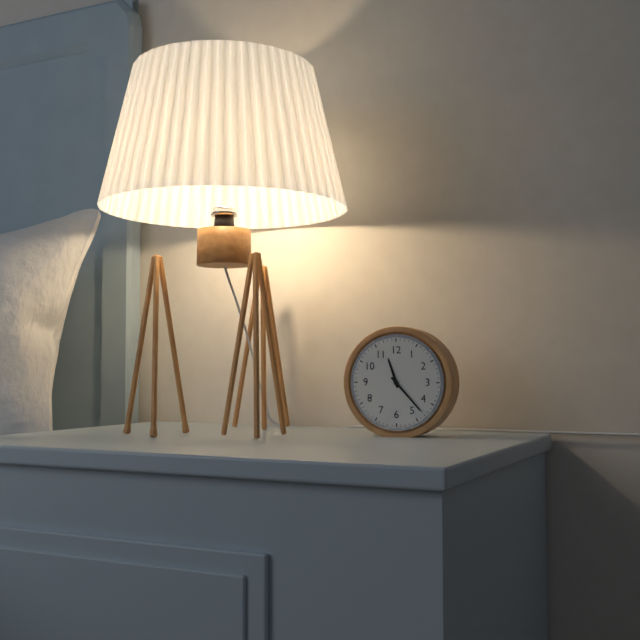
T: 11 h 23 min
